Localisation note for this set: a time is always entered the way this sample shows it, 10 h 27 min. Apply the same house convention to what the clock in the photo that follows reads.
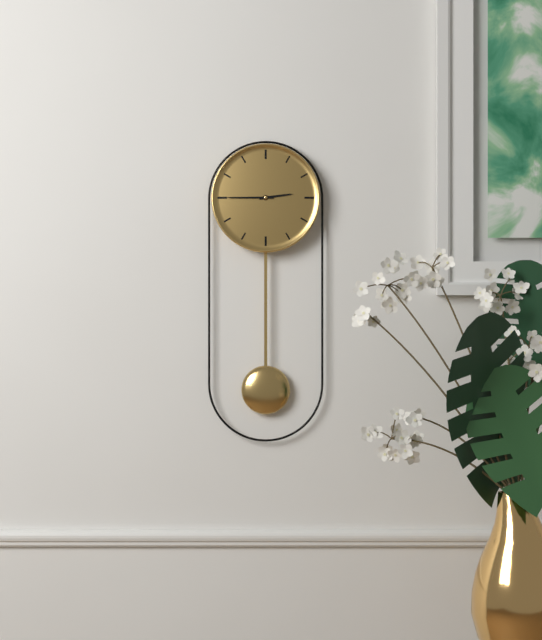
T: 2 h 45 min
